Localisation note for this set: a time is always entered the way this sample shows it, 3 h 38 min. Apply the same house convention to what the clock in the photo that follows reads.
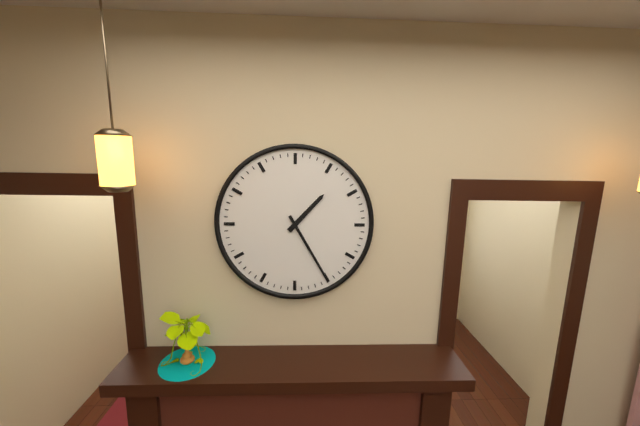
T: 1 h 25 min
